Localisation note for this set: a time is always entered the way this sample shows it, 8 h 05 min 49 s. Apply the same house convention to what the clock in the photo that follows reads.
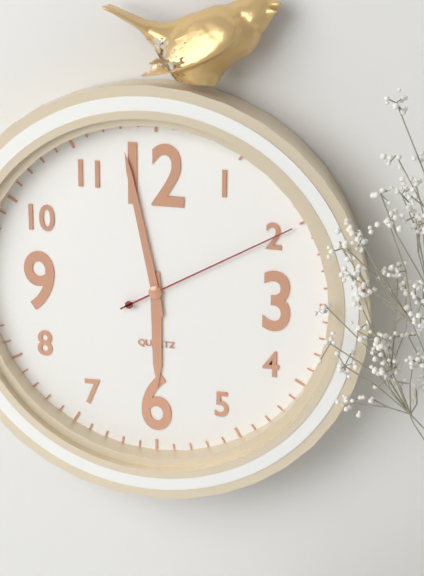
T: 5 h 58 min 10 s
